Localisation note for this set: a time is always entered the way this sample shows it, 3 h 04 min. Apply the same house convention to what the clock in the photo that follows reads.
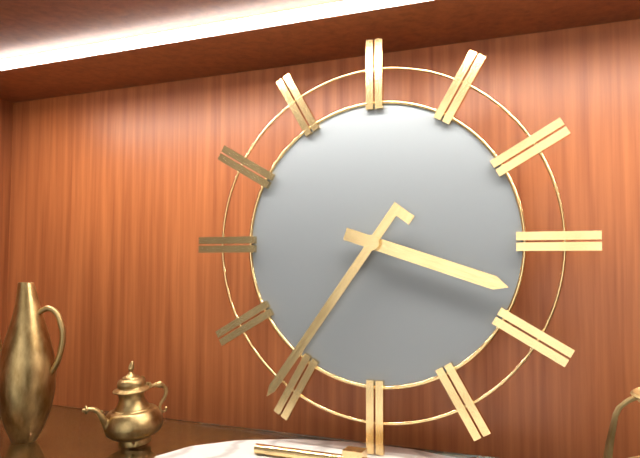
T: 3 h 36 min
